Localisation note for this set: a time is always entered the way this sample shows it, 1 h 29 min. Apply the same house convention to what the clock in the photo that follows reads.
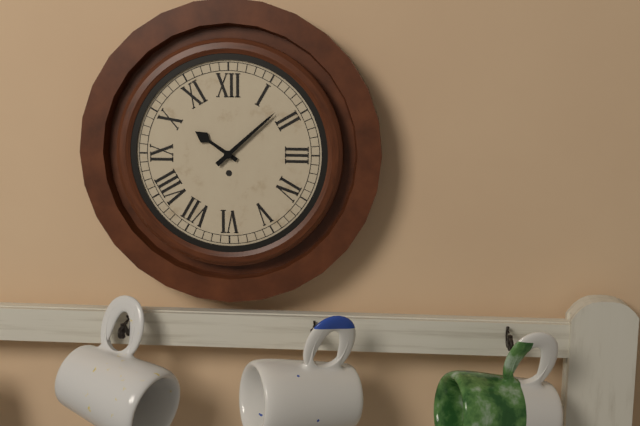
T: 10 h 08 min
